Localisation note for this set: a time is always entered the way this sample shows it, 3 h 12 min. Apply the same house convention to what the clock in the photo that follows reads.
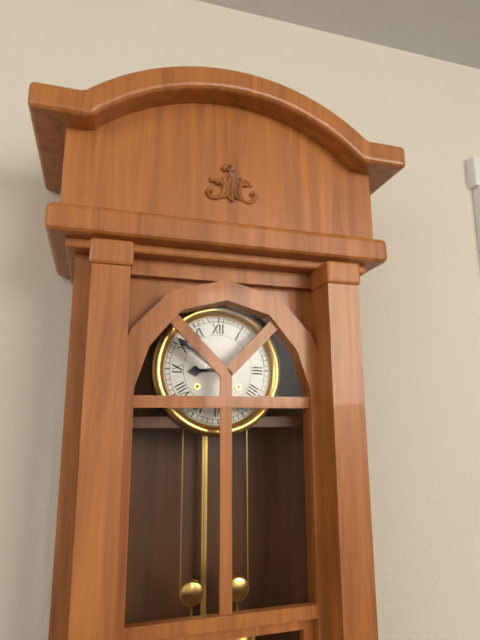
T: 8 h 51 min
